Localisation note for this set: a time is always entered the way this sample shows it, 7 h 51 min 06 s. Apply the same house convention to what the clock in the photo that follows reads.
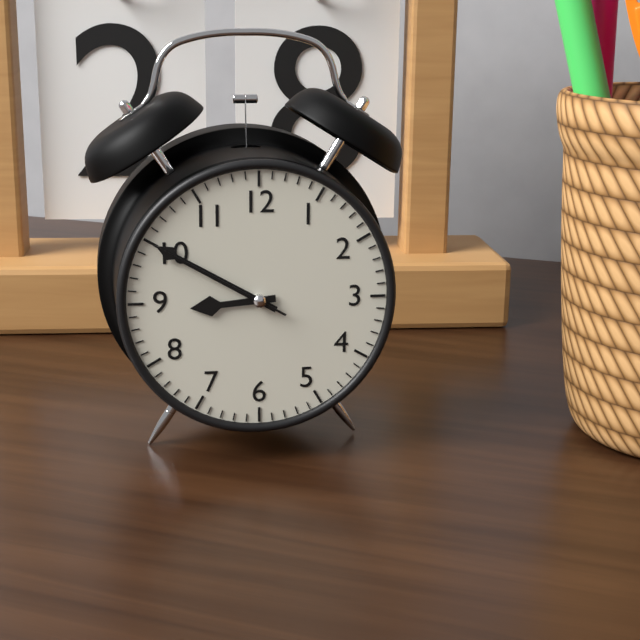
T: 8 h 50 min 50 s
